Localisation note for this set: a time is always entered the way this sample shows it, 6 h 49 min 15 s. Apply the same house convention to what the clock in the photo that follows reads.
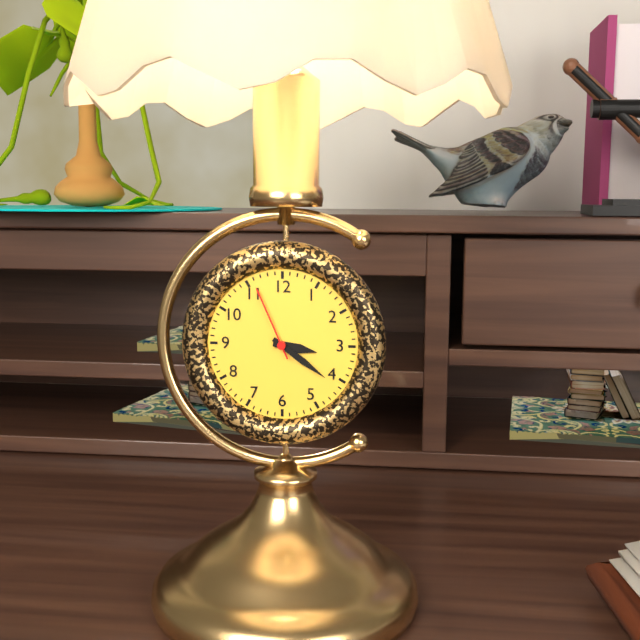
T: 3 h 21 min 56 s
